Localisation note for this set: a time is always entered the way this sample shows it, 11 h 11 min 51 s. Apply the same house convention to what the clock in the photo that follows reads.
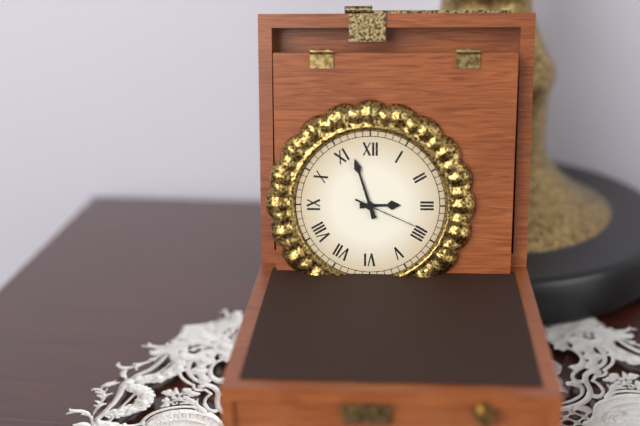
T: 2 h 57 min 19 s
